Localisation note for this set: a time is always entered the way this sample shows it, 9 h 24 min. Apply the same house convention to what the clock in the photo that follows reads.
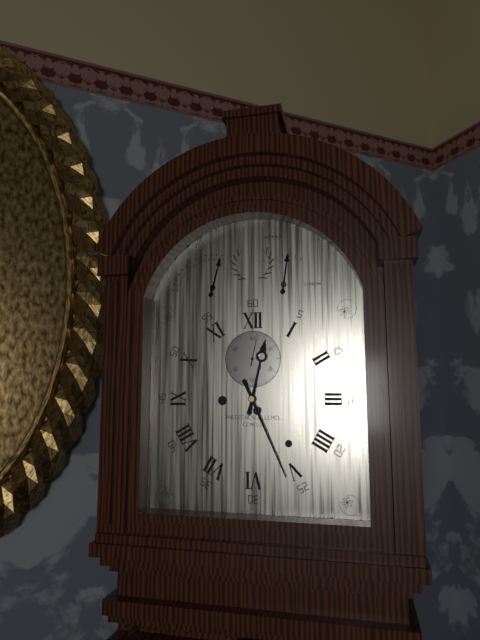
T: 12 h 26 min
